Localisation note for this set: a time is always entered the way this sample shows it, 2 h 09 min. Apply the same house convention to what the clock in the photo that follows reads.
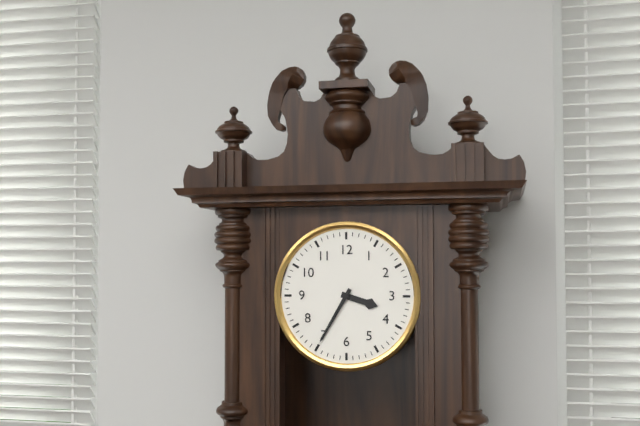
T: 3 h 35 min
